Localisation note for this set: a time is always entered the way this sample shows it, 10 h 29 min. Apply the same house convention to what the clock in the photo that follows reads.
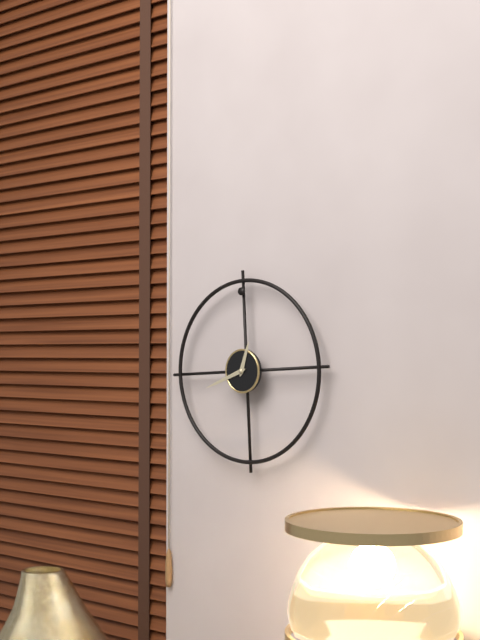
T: 12 h 42 min
